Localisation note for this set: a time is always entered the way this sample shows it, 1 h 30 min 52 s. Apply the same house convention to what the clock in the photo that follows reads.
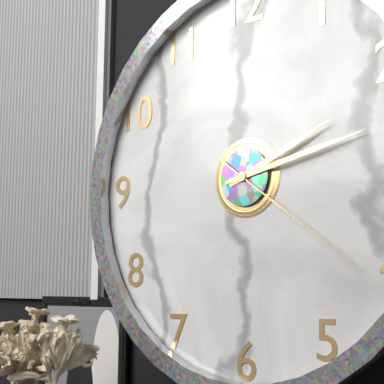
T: 2 h 13 min 21 s
